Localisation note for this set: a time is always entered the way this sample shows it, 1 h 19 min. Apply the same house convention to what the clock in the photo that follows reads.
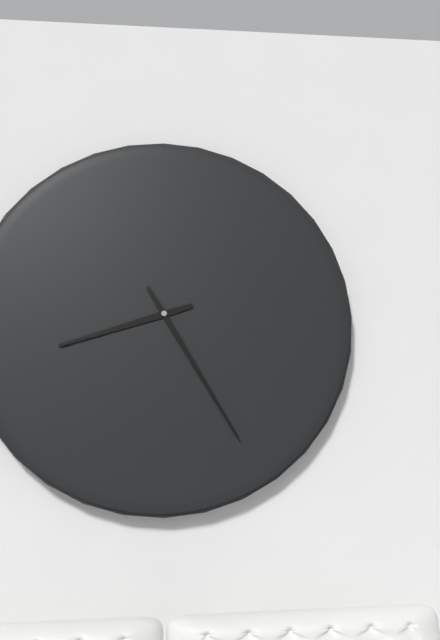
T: 8 h 25 min
